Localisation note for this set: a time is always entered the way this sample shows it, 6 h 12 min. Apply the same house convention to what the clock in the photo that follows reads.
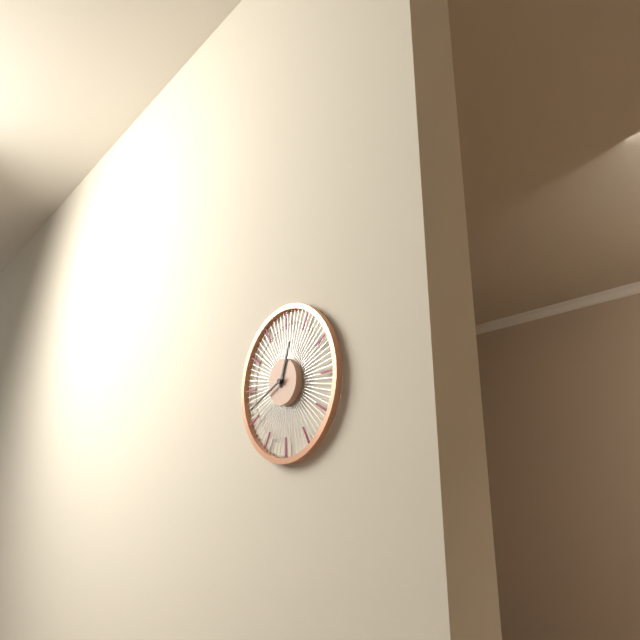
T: 12 h 41 min
